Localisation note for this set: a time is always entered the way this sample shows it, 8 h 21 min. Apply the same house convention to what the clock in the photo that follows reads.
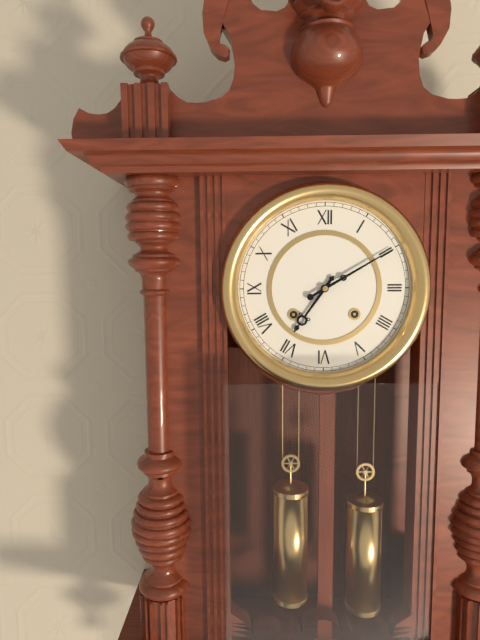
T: 7 h 10 min
